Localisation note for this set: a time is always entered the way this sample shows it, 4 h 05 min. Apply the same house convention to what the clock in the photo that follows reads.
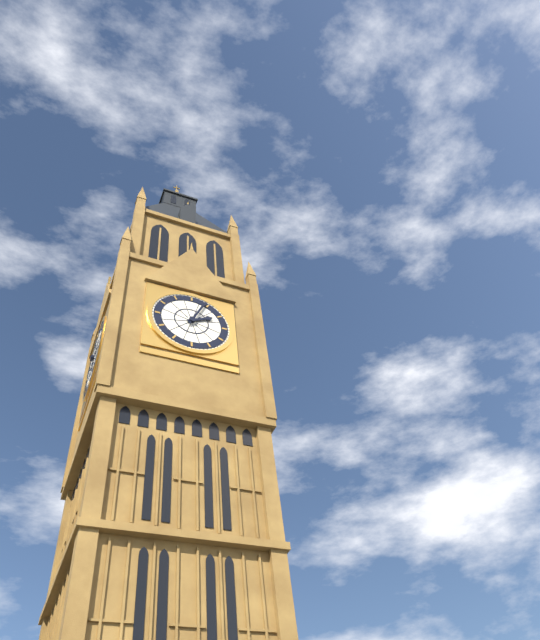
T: 2 h 04 min
